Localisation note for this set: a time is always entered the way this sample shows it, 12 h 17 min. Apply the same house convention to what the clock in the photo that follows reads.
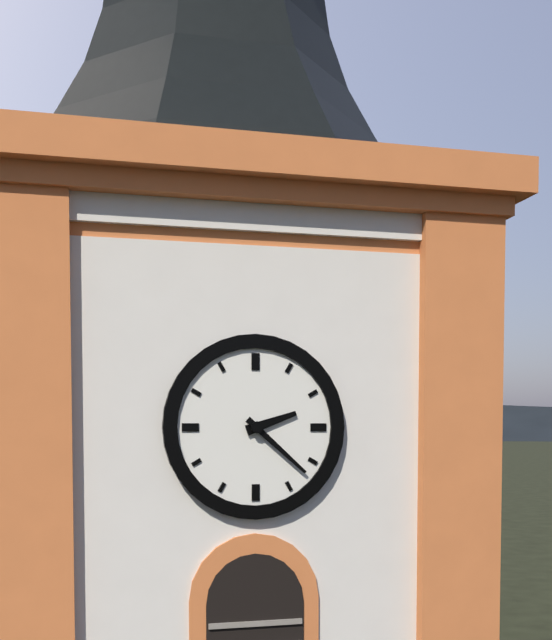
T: 2 h 22 min
